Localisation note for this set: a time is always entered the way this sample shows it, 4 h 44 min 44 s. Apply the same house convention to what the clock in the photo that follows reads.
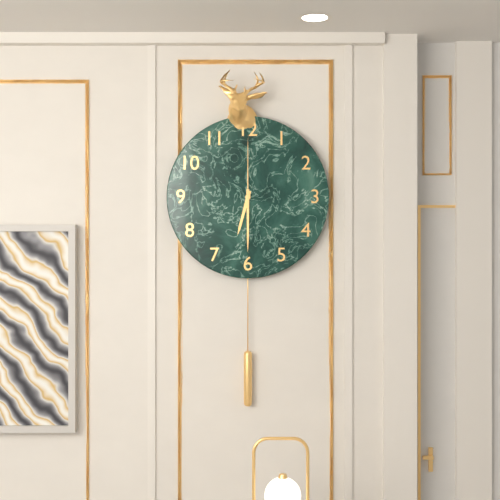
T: 6 h 30 min 00 s
